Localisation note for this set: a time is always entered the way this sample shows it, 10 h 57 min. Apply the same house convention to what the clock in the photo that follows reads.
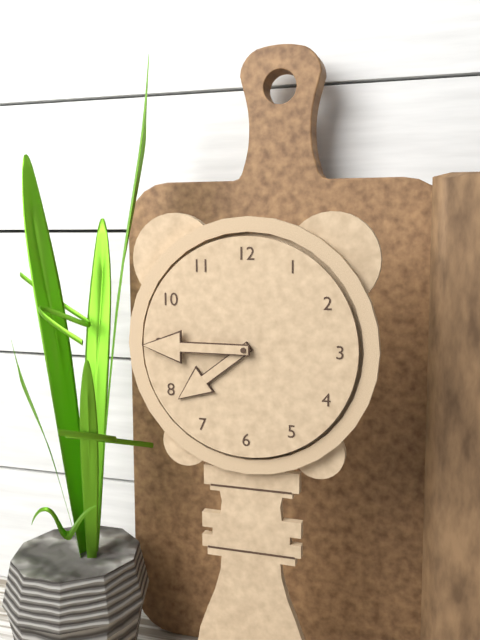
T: 7 h 45 min
